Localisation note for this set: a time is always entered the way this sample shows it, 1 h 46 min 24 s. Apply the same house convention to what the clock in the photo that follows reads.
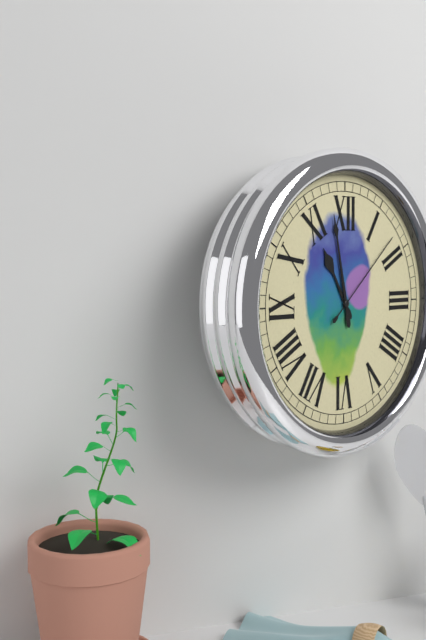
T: 10 h 58 min 08 s
